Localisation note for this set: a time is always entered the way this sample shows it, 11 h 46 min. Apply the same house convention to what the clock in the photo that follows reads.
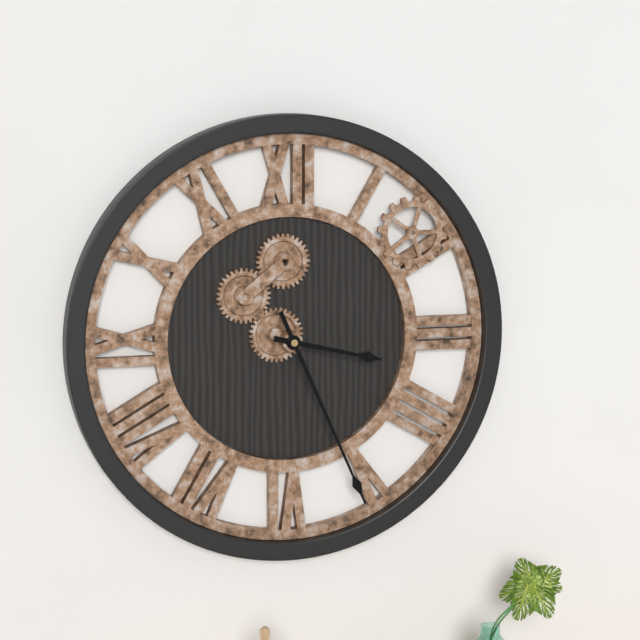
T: 3 h 26 min
